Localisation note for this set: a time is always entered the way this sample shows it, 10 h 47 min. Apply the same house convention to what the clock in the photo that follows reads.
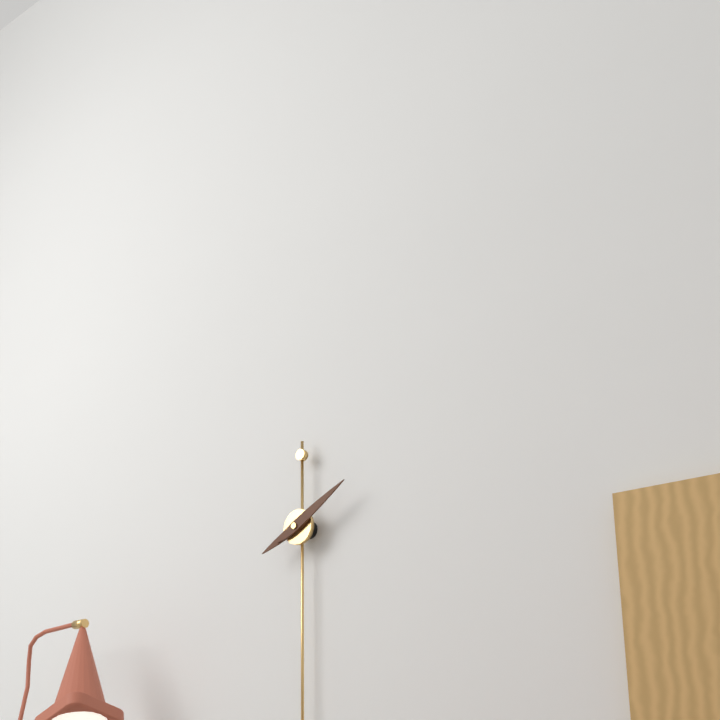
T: 8 h 10 min
